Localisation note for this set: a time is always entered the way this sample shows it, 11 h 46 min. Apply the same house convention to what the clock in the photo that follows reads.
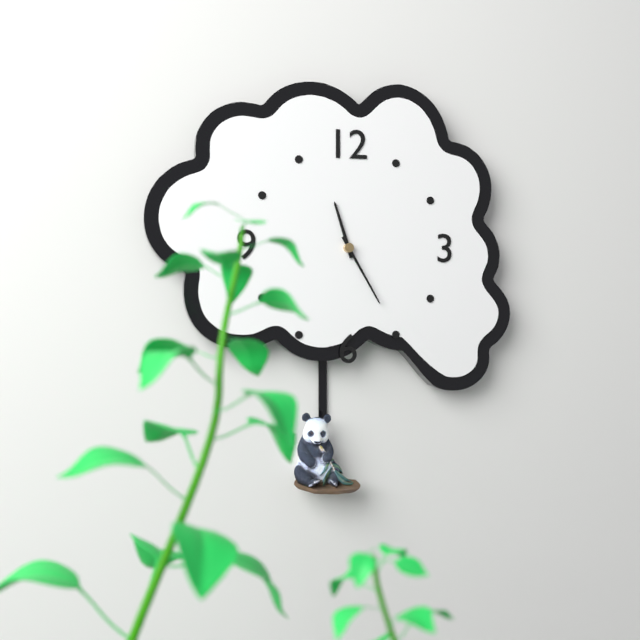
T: 11 h 25 min
